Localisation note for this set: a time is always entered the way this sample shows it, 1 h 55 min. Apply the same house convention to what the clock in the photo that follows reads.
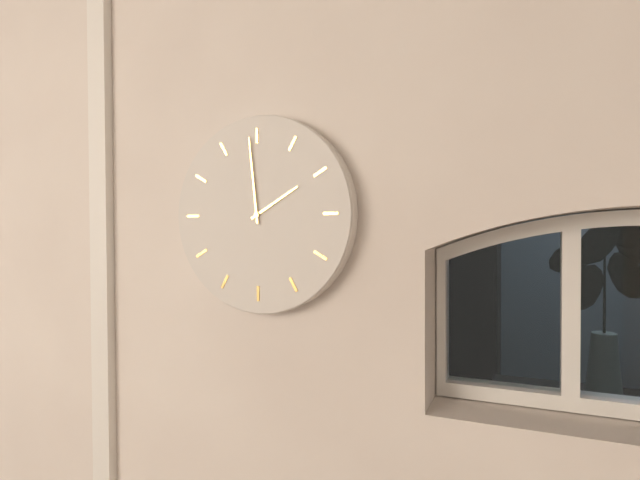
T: 1 h 59 min
